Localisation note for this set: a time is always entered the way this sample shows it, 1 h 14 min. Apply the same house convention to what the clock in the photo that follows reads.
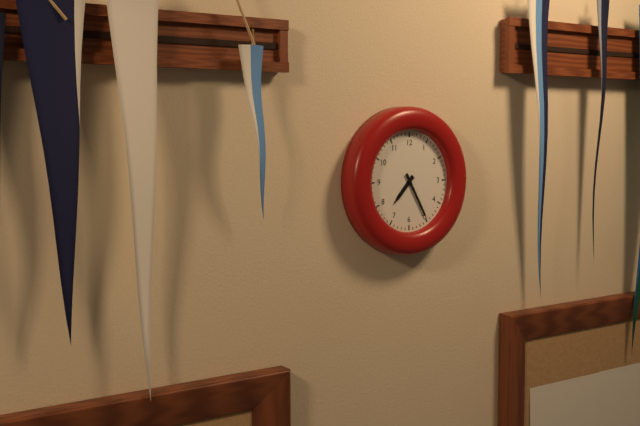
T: 7 h 25 min
